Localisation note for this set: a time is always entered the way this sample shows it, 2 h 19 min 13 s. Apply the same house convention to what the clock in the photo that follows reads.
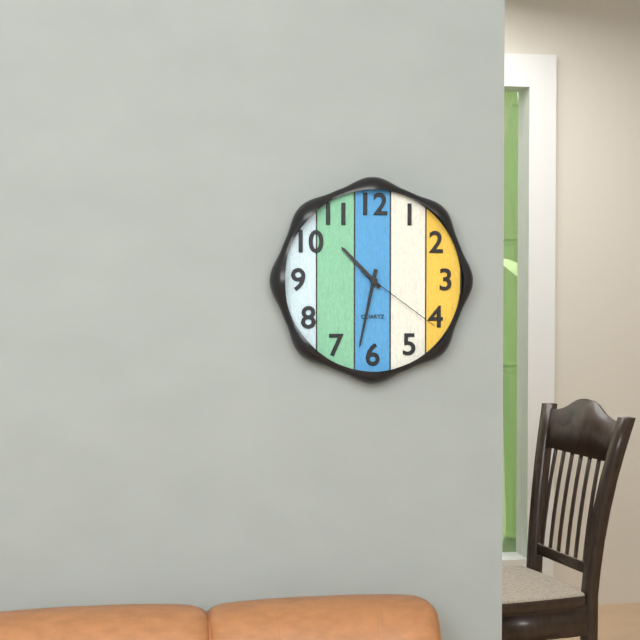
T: 10 h 32 min 21 s
